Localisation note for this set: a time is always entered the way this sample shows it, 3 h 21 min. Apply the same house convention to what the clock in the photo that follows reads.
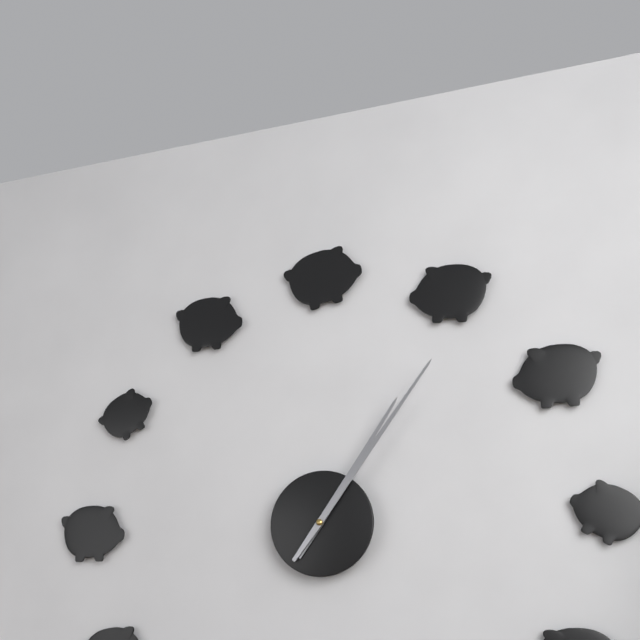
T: 1 h 06 min
